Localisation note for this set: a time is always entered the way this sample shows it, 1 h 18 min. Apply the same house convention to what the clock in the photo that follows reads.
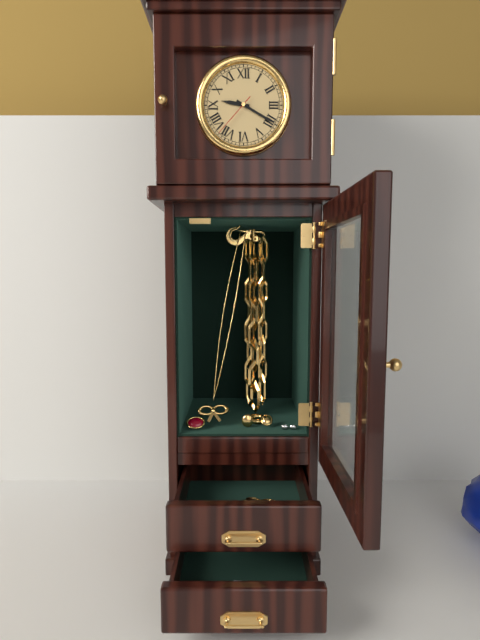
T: 9 h 20 min
